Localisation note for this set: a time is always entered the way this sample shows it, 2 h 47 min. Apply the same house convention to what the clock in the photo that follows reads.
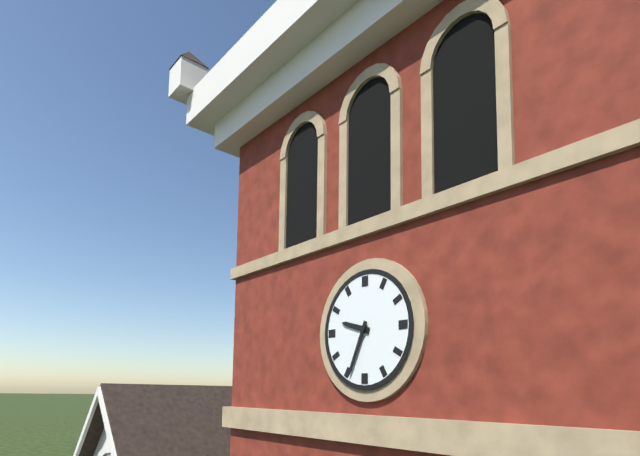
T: 9 h 34 min
